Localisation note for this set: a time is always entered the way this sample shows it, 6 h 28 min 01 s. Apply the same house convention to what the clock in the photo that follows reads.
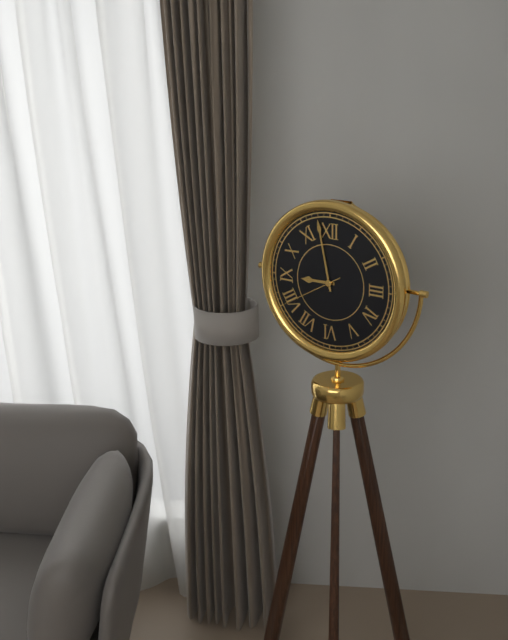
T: 8 h 58 min 40 s
